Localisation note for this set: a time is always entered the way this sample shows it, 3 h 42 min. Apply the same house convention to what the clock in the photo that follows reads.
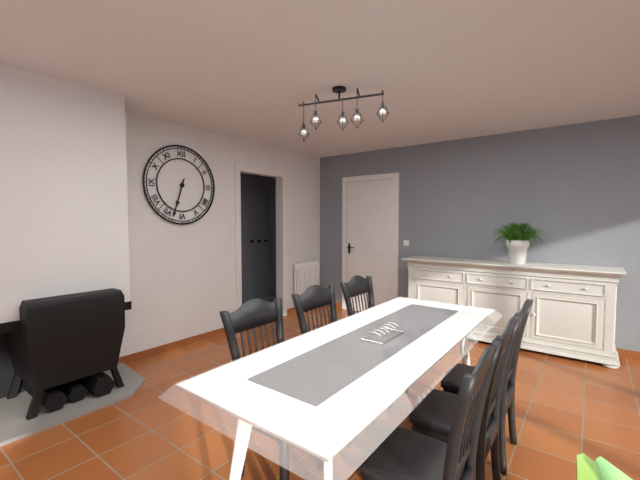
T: 6 h 33 min
